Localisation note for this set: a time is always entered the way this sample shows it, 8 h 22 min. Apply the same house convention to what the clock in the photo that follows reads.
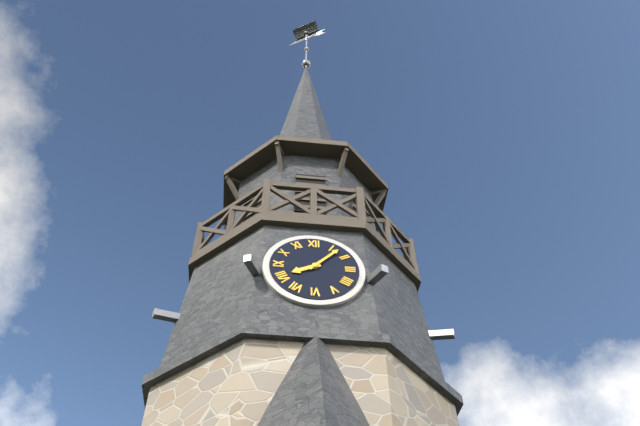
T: 8 h 07 min
